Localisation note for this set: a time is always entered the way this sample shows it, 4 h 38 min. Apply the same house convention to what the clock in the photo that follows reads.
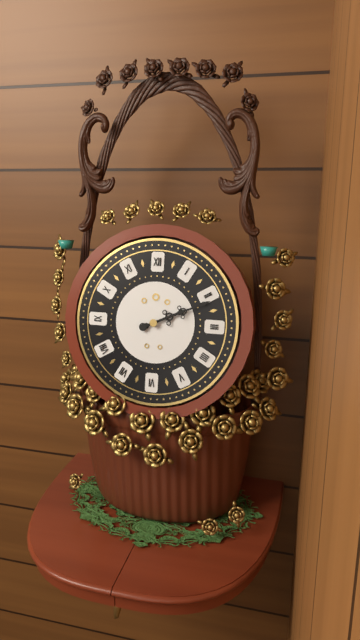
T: 2 h 11 min
